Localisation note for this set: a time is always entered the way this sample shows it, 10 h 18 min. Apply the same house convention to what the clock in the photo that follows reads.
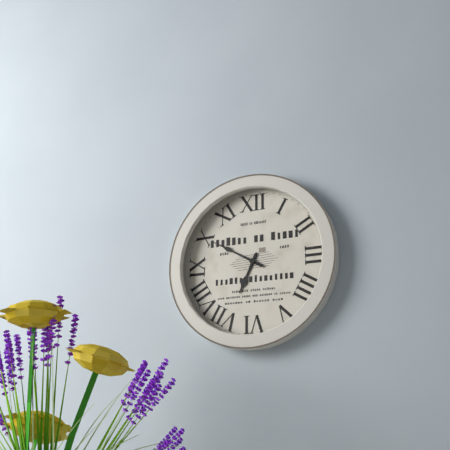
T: 6 h 50 min
